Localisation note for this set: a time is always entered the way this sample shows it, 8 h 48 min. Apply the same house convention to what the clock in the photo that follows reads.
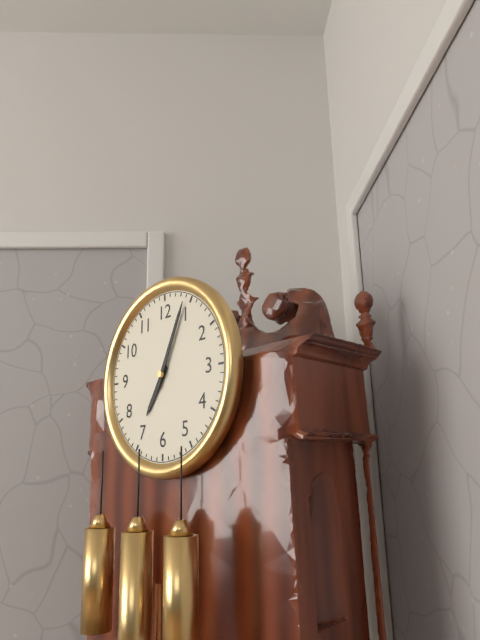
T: 7 h 04 min
